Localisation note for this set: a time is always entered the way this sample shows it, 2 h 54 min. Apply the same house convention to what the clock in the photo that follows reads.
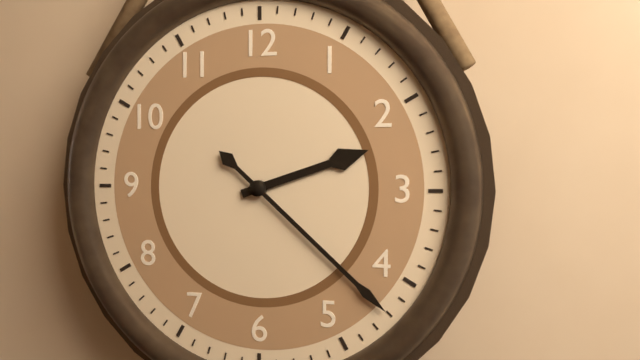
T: 2 h 22 min
